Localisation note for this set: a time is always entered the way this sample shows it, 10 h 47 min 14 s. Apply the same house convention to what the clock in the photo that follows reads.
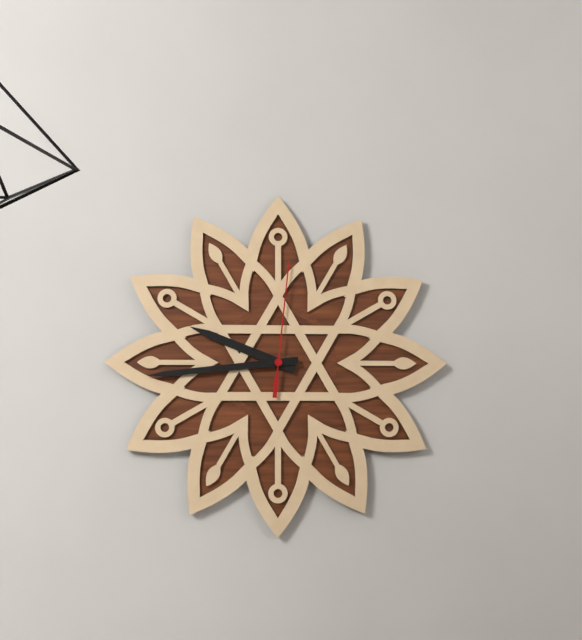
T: 9 h 44 min 01 s
